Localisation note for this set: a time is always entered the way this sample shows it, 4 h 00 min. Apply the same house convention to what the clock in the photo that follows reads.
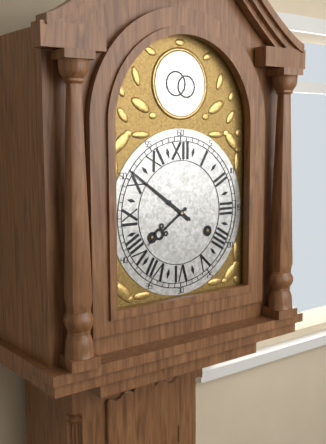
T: 7 h 51 min
